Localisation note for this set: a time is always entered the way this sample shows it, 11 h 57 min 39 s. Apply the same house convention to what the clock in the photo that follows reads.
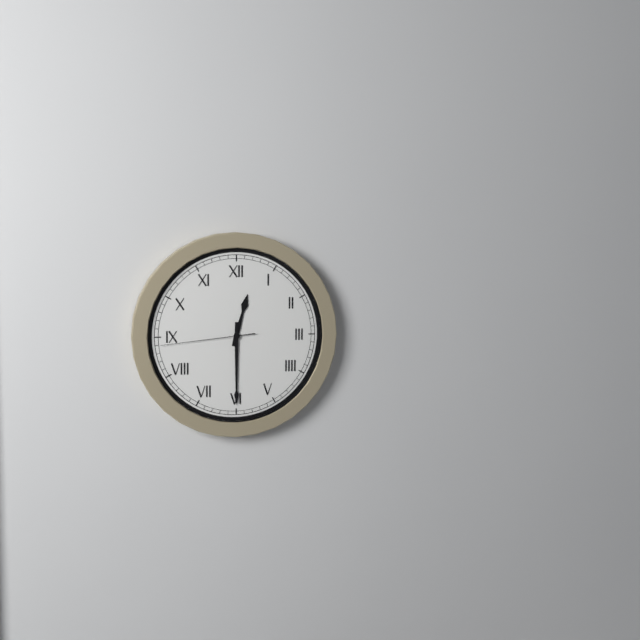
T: 12 h 30 min 44 s
